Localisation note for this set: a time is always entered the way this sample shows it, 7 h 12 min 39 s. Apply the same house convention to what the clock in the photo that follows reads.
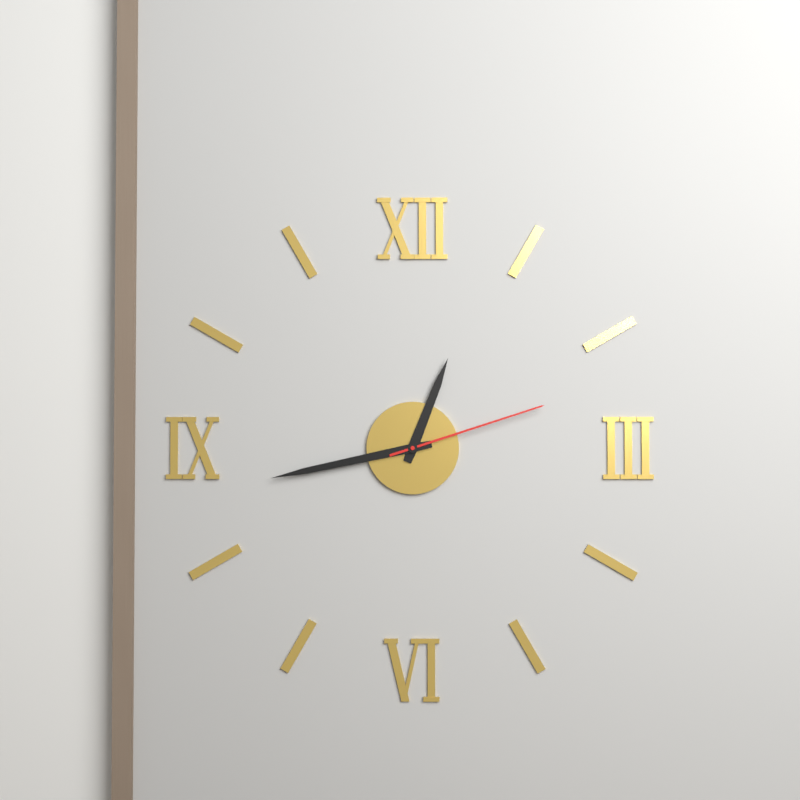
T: 12 h 43 min 12 s
